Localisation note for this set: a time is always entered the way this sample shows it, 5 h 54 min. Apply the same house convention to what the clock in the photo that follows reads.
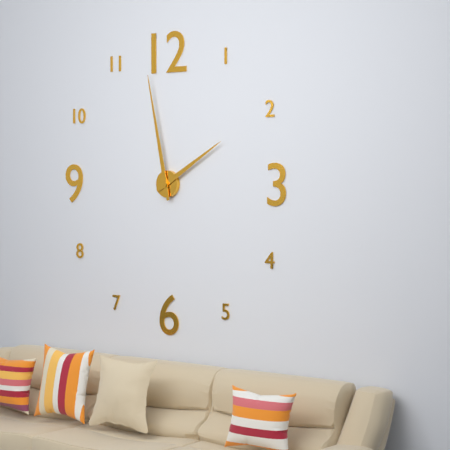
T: 1 h 58 min
